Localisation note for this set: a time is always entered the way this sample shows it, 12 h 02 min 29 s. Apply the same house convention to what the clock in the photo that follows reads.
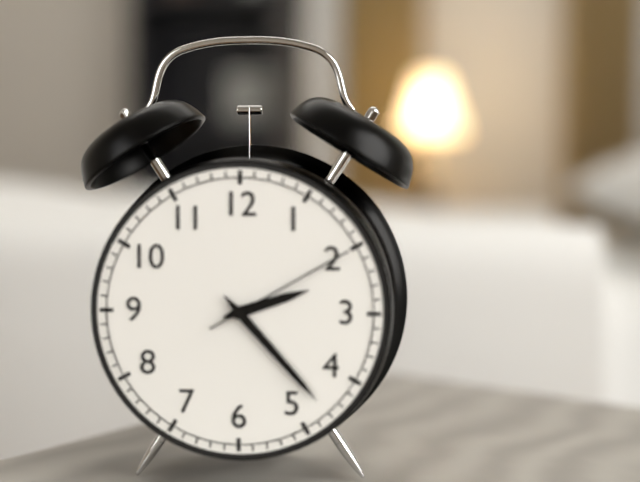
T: 2 h 23 min 10 s
